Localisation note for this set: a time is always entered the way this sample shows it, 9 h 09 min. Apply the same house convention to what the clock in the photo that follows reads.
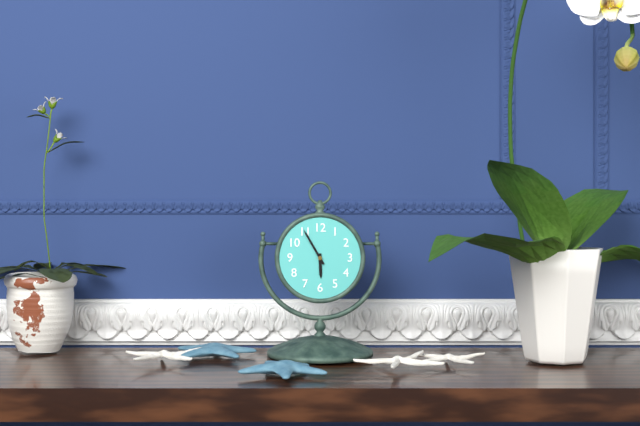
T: 5 h 55 min
